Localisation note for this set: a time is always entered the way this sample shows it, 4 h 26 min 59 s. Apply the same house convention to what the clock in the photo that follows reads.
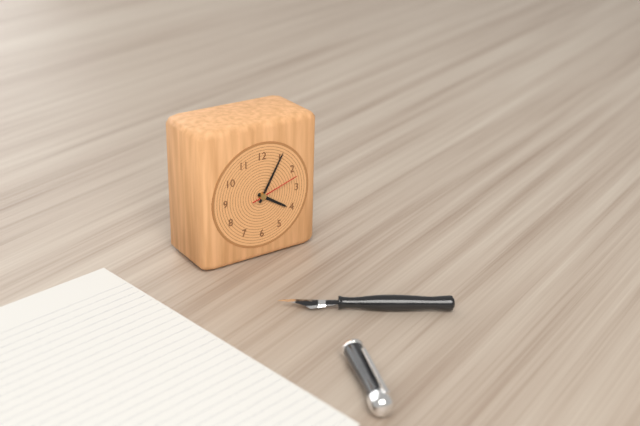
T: 4 h 05 min 12 s
